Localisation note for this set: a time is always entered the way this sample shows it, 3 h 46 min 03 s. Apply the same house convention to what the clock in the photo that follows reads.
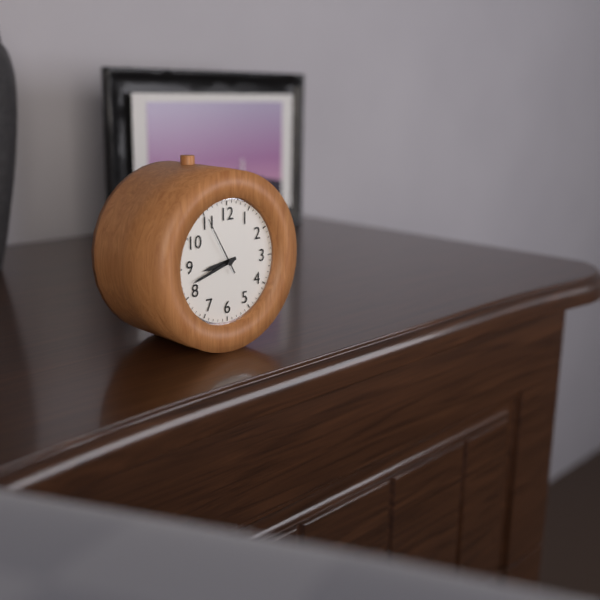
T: 8 h 42 min 55 s
